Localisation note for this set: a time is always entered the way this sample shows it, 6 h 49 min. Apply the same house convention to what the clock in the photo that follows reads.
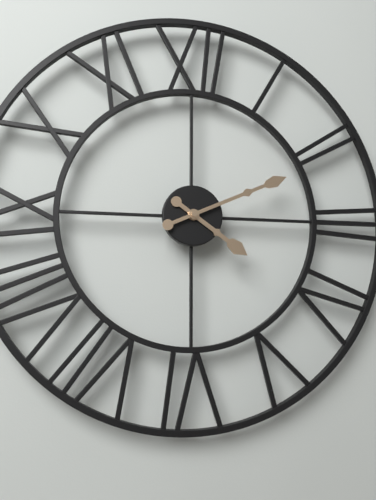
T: 4 h 11 min
